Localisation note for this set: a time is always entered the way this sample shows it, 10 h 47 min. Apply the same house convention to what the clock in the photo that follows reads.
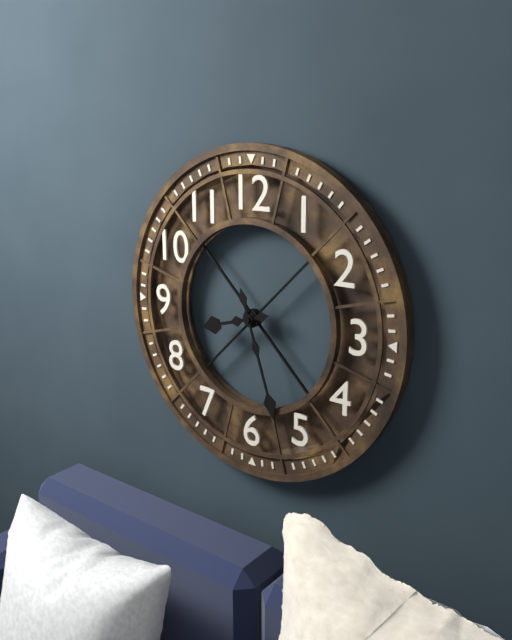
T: 8 h 27 min
